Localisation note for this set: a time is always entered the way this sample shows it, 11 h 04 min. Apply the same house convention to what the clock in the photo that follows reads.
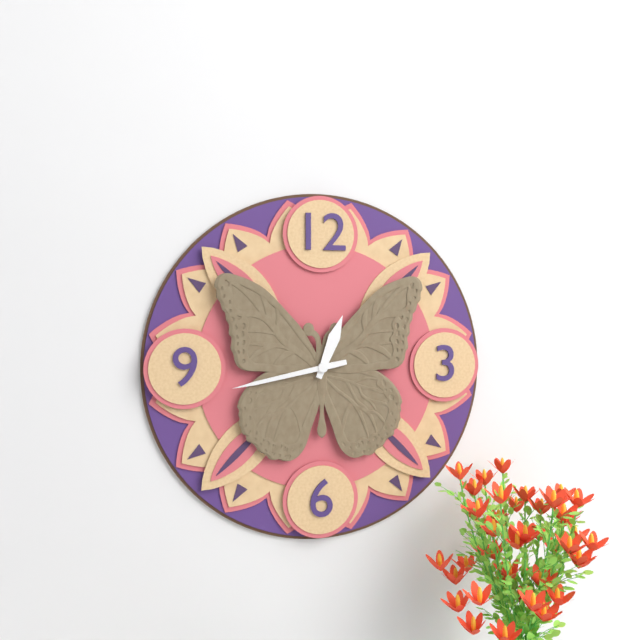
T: 12 h 43 min
